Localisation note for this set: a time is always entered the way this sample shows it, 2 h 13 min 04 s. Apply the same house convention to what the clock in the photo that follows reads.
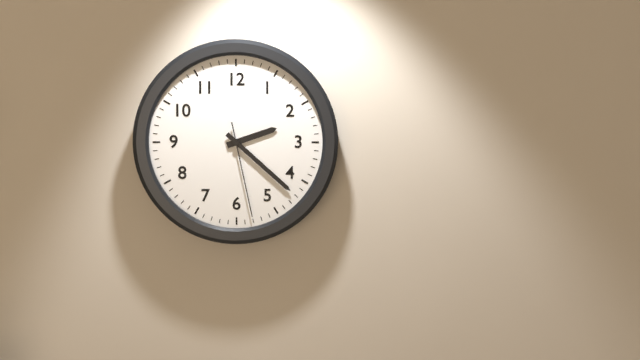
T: 2 h 22 min 28 s
